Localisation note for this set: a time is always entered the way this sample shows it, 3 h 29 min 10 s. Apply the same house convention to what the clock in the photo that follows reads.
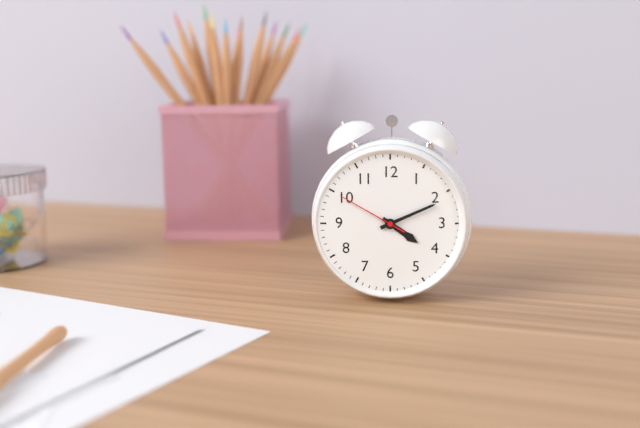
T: 4 h 11 min 50 s
